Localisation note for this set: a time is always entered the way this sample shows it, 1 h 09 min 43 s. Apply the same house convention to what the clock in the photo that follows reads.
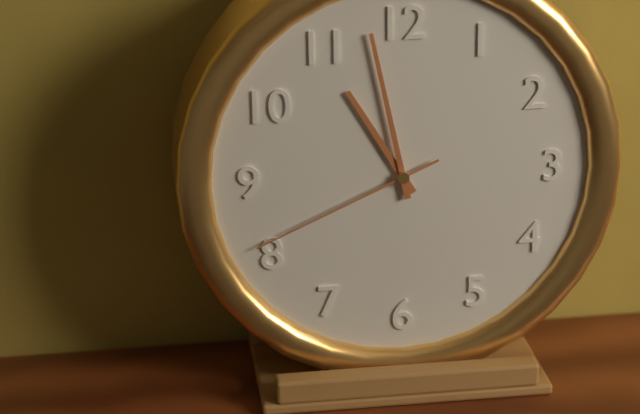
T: 10 h 58 min 41 s
